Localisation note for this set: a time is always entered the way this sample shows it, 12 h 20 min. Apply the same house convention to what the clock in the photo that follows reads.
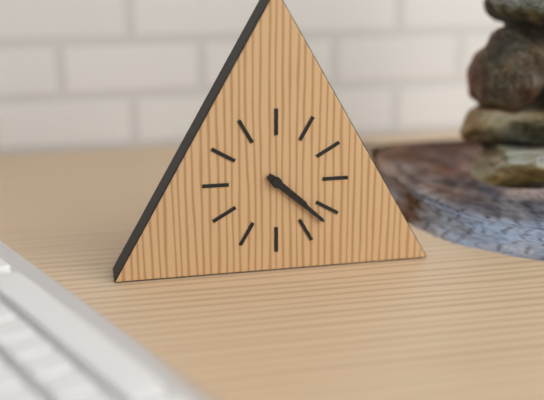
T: 4 h 22 min
